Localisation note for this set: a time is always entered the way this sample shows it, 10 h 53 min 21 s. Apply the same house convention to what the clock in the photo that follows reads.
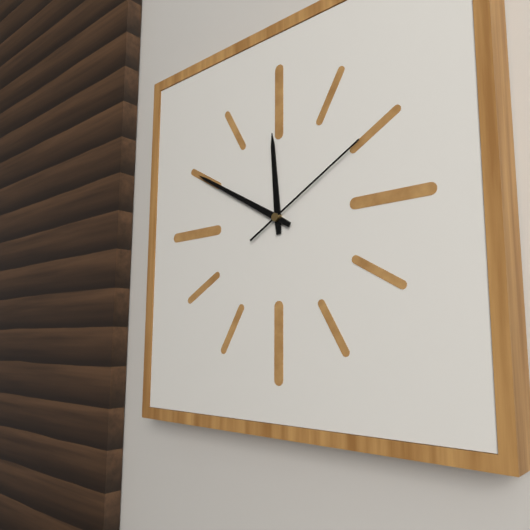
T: 11 h 50 min 10 s
